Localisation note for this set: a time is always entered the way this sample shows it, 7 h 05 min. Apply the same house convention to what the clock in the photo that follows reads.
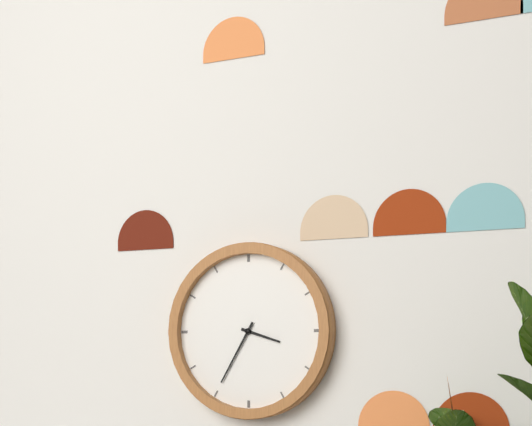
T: 3 h 35 min
